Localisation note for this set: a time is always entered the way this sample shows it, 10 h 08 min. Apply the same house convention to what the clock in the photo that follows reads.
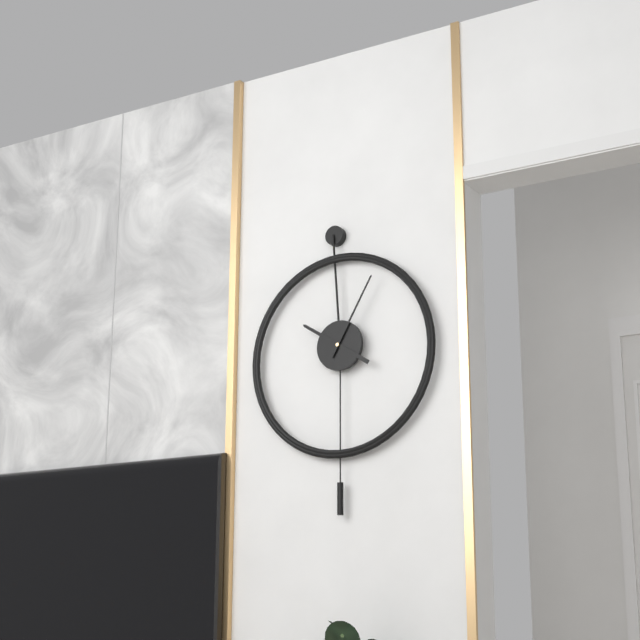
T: 10 h 05 min
